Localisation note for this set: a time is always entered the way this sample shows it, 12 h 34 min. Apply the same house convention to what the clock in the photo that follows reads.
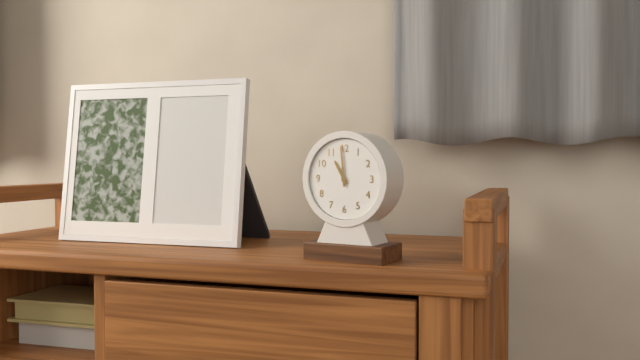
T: 10 h 59 min
